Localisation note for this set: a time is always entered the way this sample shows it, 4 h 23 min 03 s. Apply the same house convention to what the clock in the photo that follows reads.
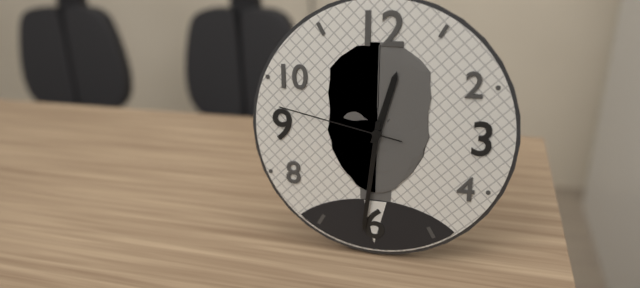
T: 12 h 31 min 47 s
